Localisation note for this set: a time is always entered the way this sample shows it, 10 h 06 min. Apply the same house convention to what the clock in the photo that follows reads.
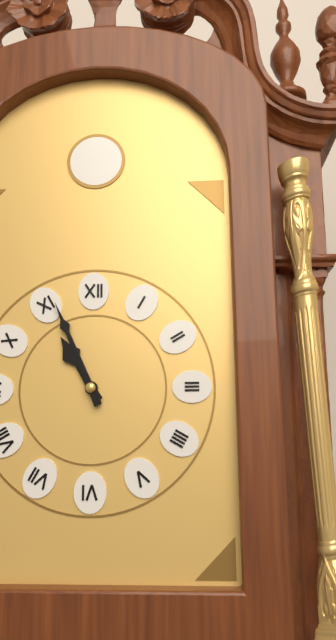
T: 10 h 56 min
